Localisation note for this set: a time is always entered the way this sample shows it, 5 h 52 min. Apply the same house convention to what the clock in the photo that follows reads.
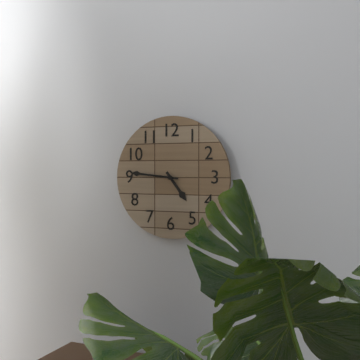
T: 4 h 46 min
